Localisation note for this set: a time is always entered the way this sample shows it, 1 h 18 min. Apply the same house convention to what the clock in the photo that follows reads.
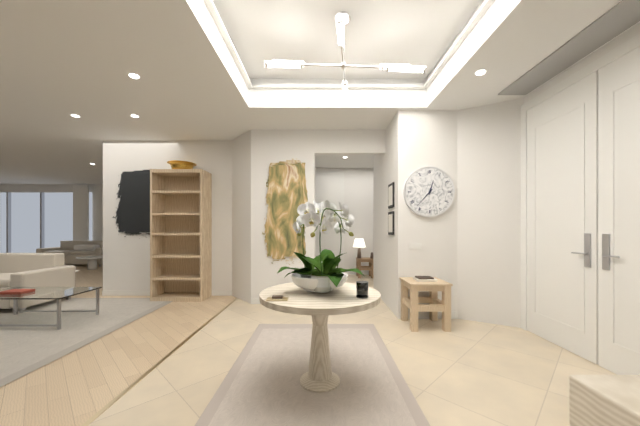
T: 12 h 37 min
